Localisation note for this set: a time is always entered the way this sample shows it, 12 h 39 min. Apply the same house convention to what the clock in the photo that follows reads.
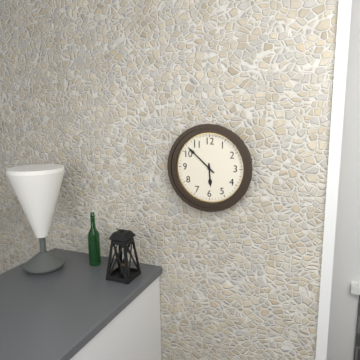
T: 5 h 52 min
